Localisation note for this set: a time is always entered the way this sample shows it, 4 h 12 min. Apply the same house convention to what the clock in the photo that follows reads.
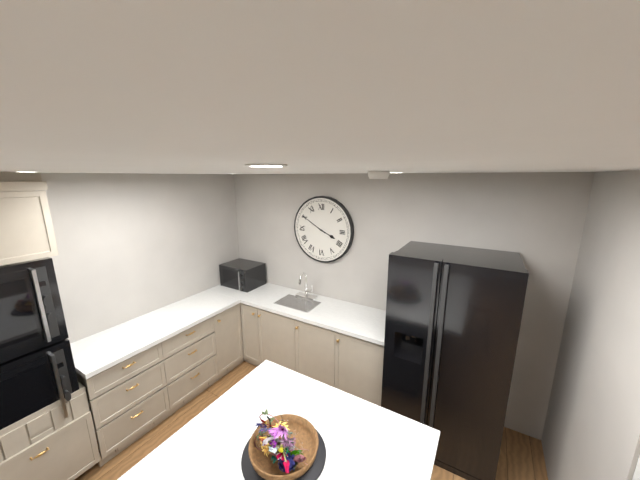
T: 3 h 50 min
